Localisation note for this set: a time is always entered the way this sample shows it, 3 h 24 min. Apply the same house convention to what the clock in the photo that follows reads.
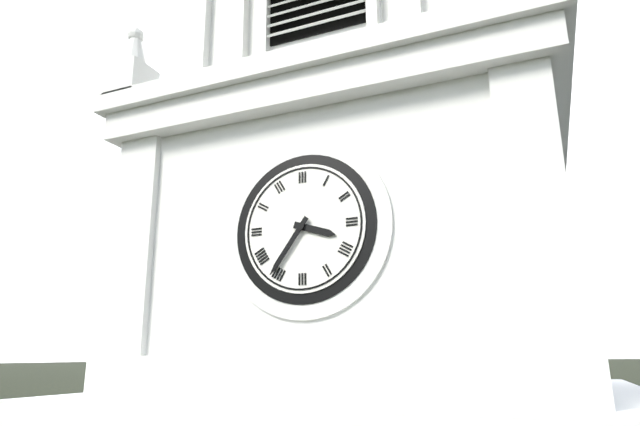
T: 3 h 36 min
